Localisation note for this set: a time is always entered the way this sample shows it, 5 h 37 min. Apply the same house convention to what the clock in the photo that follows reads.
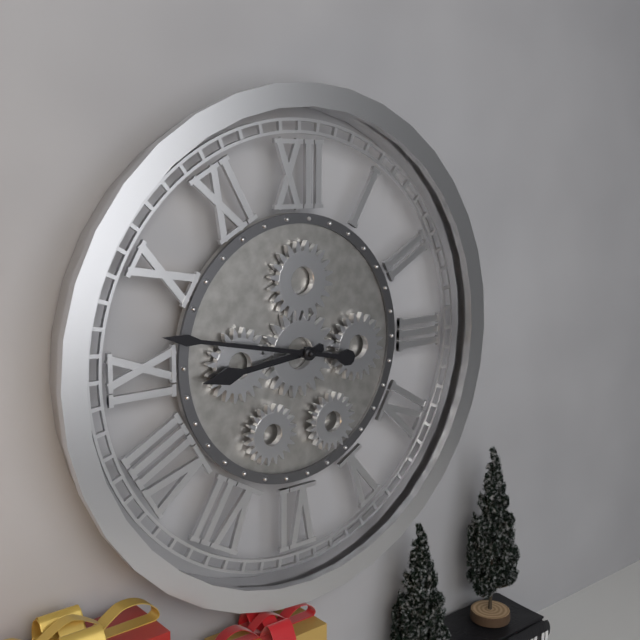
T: 8 h 47 min
